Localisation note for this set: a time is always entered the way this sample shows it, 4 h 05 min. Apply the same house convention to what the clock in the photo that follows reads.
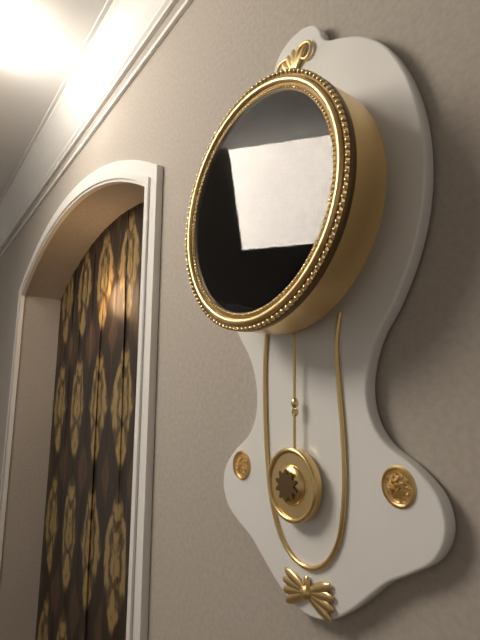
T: 8 h 37 min
